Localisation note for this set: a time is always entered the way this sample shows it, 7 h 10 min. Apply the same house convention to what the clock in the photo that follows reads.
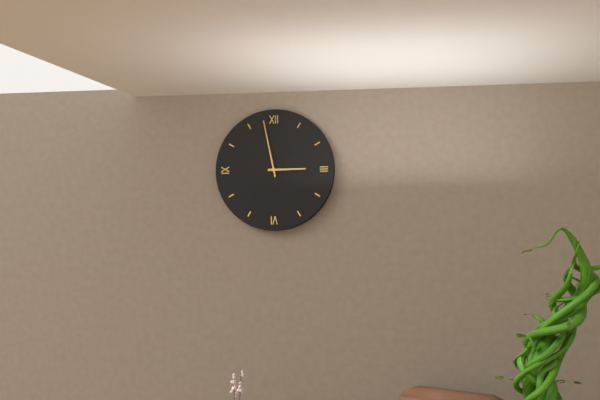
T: 2 h 58 min
